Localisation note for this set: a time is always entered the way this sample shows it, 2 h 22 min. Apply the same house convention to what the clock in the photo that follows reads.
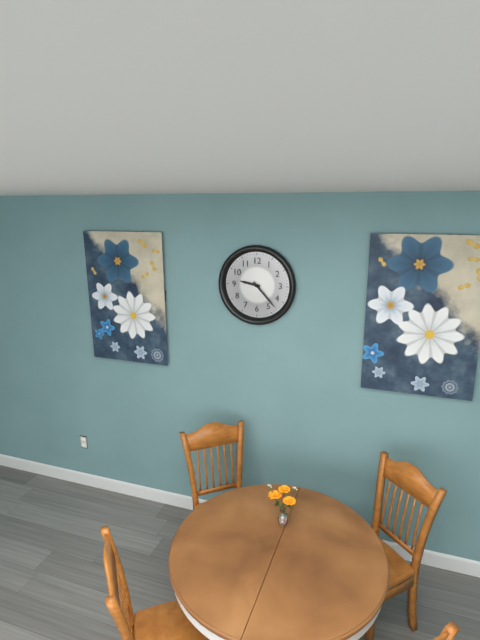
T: 9 h 23 min
